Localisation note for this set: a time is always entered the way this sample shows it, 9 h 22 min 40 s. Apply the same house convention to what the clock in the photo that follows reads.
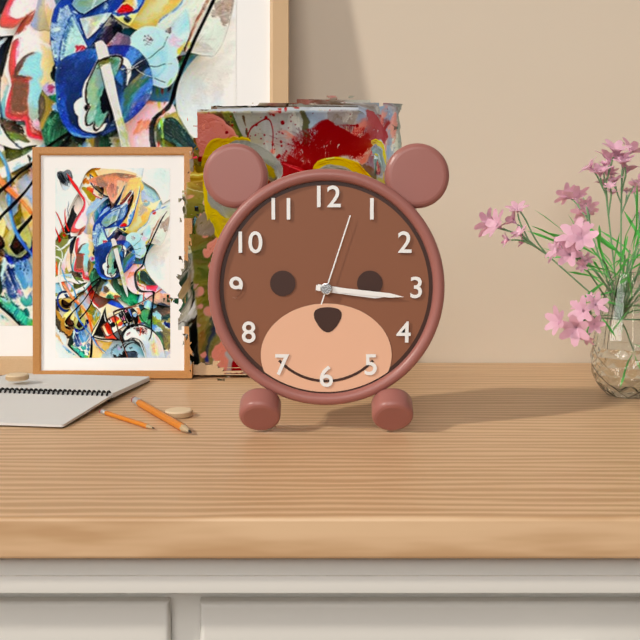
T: 3 h 16 min 03 s
